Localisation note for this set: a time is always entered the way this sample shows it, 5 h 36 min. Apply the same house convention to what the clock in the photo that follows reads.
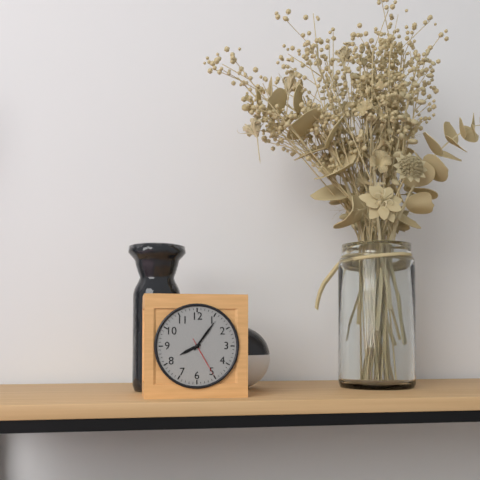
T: 8 h 06 min
